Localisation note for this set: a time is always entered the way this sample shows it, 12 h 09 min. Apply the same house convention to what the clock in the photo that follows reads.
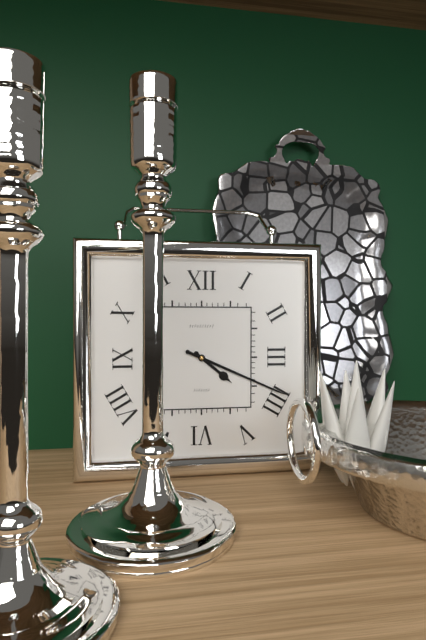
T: 4 h 19 min
